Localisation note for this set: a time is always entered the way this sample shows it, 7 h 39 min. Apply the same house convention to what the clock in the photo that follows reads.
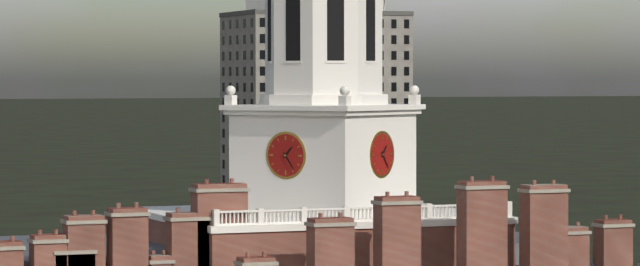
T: 1 h 24 min
